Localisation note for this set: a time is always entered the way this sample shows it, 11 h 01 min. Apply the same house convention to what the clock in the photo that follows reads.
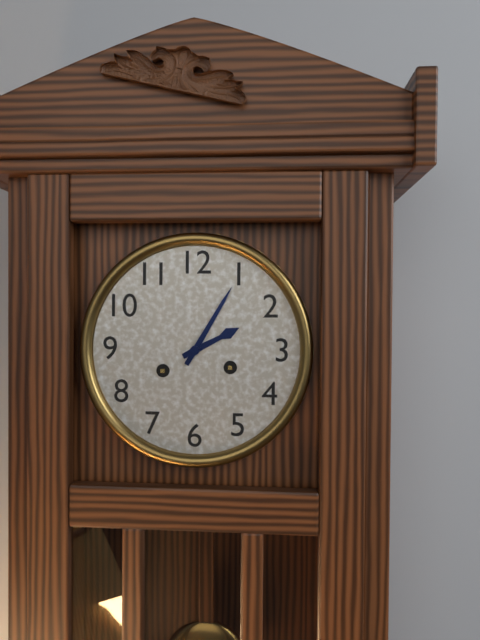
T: 2 h 05 min
